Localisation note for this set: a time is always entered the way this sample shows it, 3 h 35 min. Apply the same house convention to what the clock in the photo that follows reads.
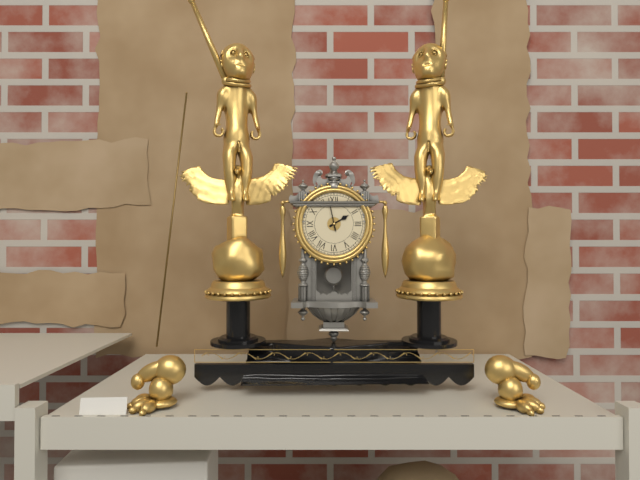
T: 1 h 58 min
